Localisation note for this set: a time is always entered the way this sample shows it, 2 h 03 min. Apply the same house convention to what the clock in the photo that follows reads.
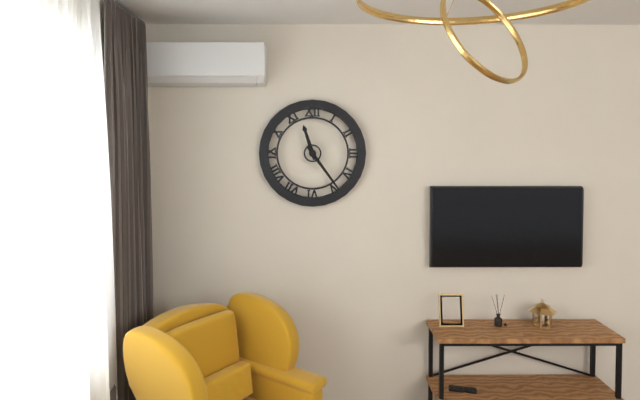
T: 11 h 24 min
